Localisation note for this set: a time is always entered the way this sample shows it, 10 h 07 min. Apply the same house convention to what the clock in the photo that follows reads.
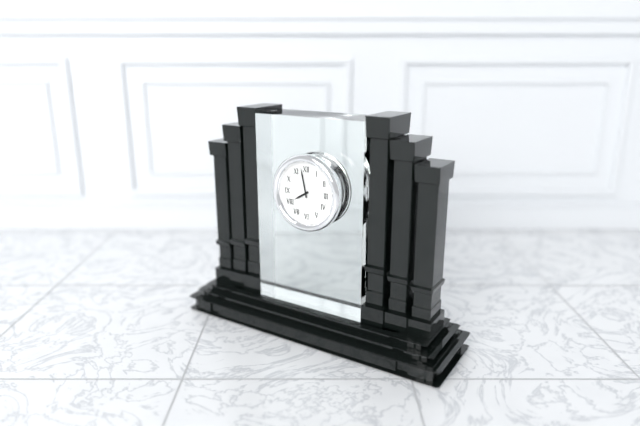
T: 7 h 58 min
